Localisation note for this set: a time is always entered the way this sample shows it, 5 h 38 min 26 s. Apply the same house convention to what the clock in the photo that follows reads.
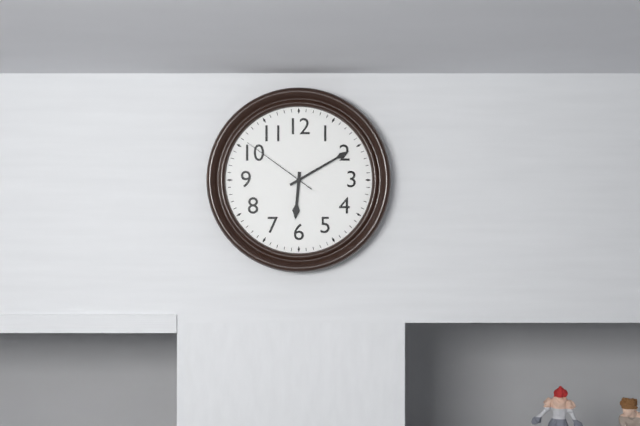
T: 6 h 10 min 51 s
